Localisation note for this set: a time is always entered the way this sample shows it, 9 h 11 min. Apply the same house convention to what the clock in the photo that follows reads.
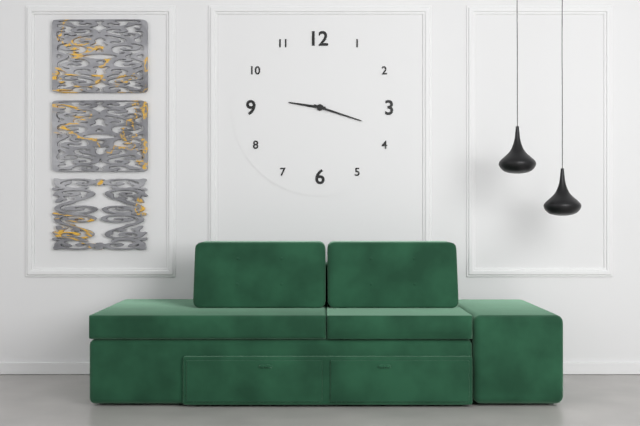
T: 9 h 18 min
